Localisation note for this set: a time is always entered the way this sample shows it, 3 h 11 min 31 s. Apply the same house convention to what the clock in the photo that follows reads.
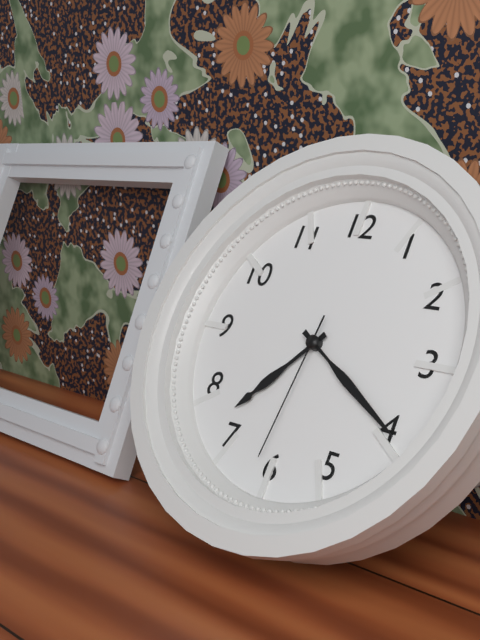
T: 7 h 20 min 31 s
